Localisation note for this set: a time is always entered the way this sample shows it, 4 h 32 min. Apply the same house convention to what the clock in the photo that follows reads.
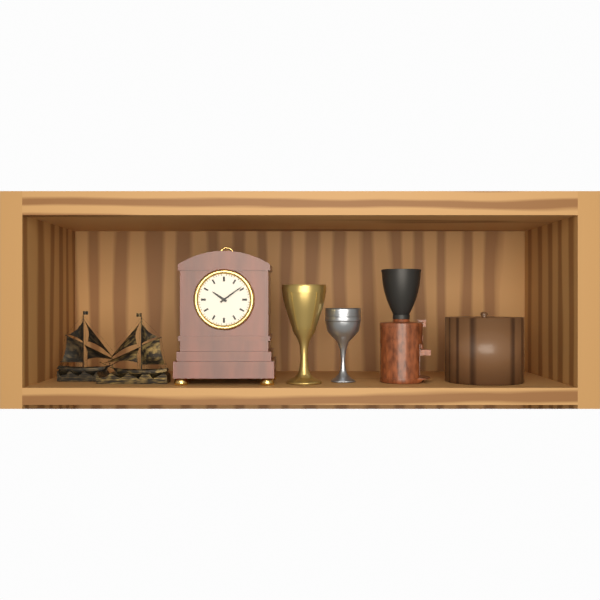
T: 10 h 09 min
